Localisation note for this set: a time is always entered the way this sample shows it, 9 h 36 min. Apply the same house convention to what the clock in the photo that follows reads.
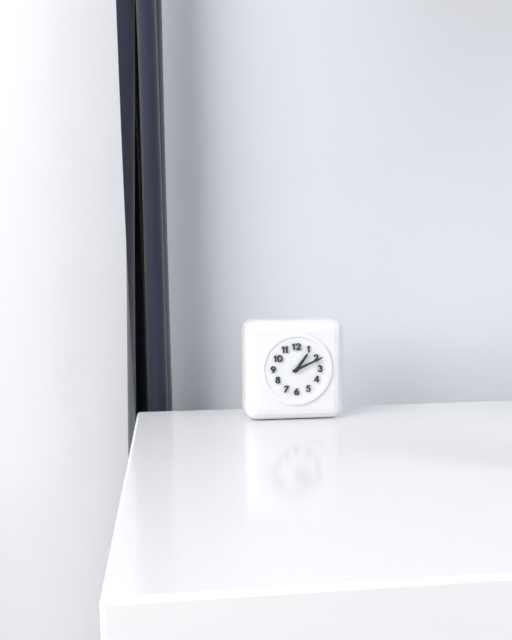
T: 1 h 11 min
